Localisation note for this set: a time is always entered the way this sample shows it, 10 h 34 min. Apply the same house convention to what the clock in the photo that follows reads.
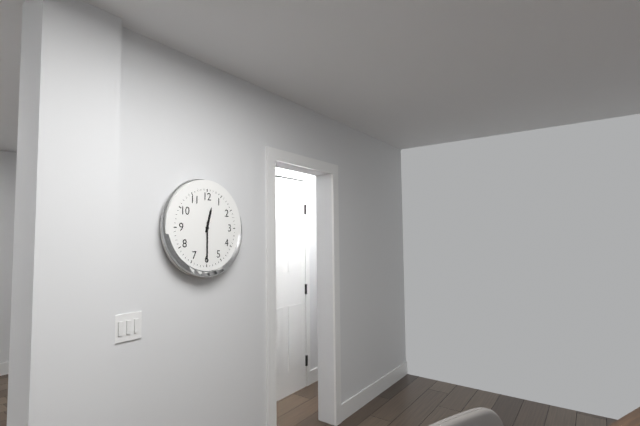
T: 12 h 30 min
